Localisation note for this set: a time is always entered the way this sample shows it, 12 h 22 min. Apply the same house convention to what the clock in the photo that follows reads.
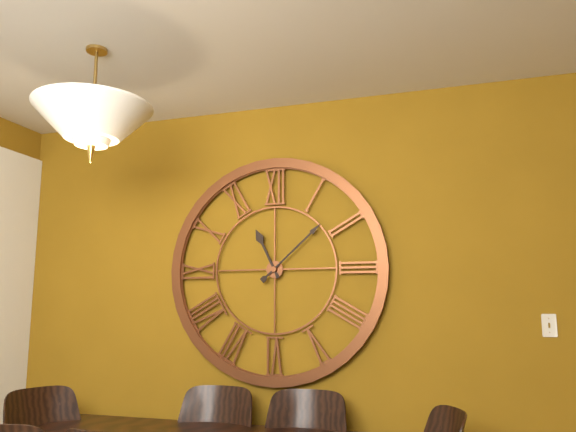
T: 11 h 08 min
